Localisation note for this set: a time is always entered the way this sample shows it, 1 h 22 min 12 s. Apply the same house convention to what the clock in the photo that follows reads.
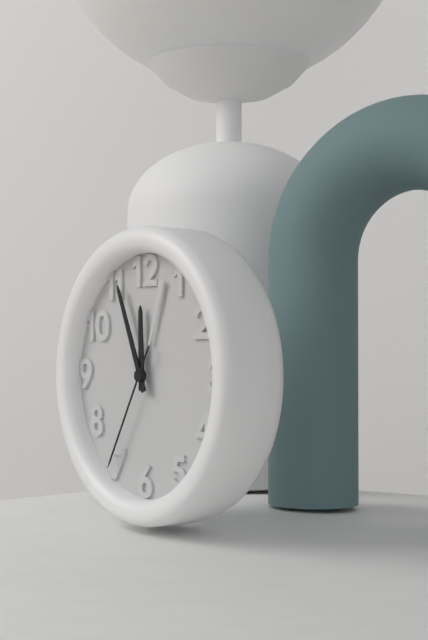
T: 11 h 56 min 35 s
